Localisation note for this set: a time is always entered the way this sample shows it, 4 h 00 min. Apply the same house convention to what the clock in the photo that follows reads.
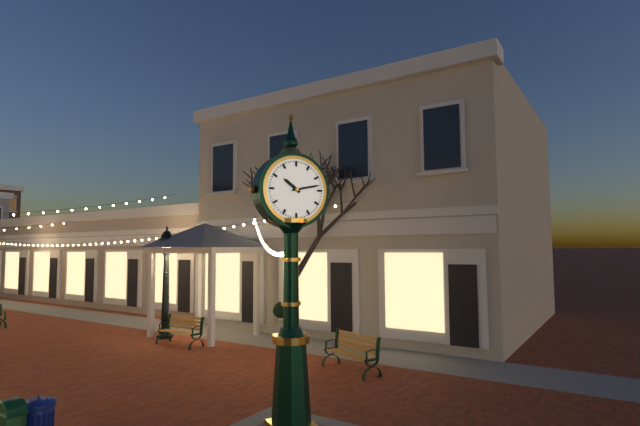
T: 10 h 13 min
